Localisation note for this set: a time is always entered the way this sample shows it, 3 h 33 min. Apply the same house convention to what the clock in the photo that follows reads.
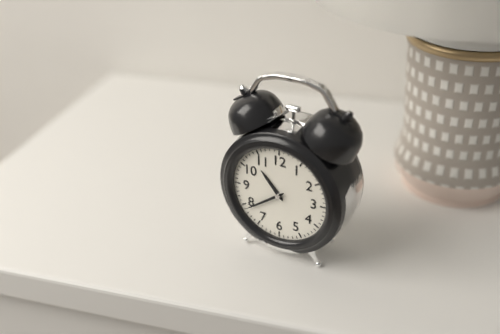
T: 10 h 39 min
